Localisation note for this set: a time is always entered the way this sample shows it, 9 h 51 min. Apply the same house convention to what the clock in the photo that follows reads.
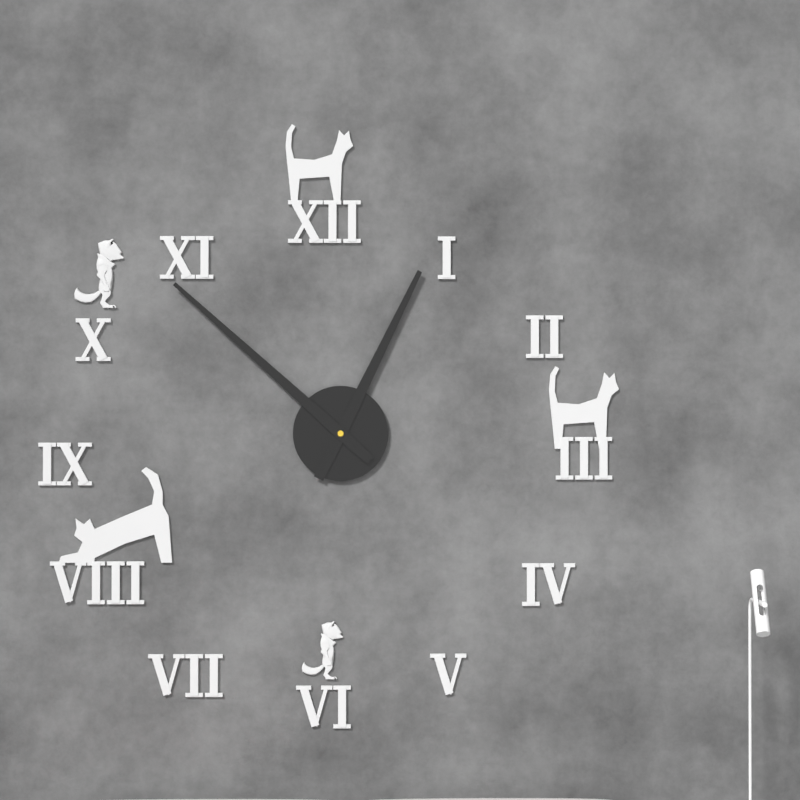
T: 12 h 52 min
